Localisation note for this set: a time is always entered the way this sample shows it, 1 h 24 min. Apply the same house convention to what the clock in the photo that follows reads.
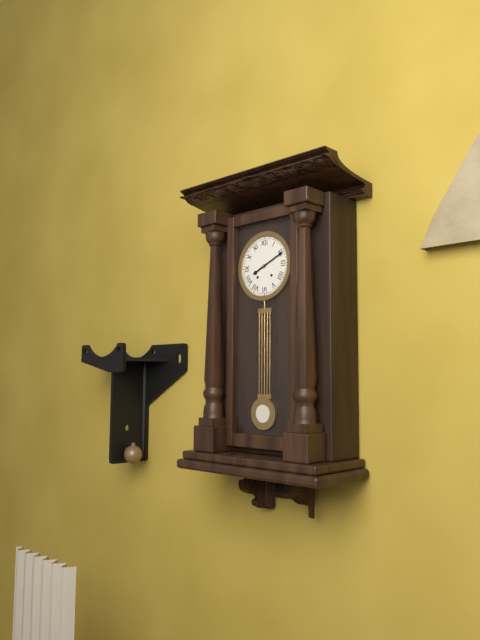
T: 8 h 11 min
